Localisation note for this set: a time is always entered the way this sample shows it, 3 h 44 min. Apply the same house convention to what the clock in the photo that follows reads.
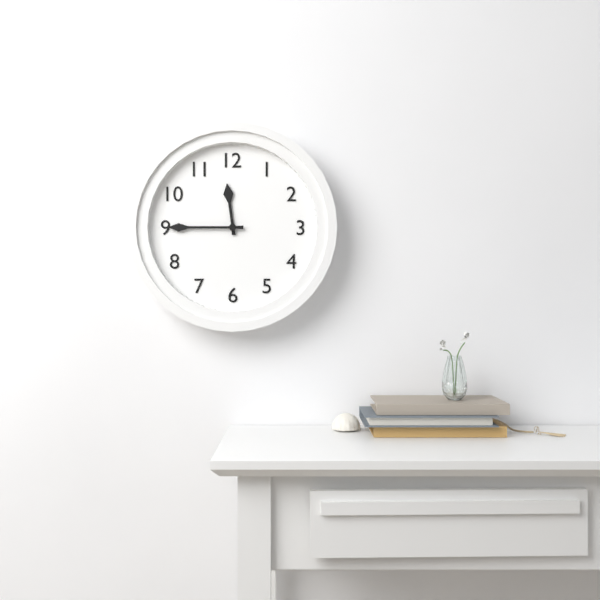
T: 11 h 45 min
